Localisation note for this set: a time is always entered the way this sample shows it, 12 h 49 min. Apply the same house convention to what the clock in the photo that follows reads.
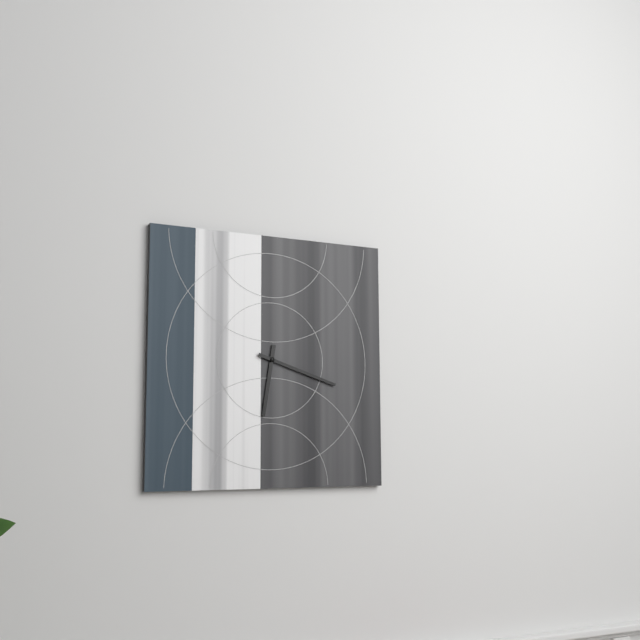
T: 6 h 18 min
